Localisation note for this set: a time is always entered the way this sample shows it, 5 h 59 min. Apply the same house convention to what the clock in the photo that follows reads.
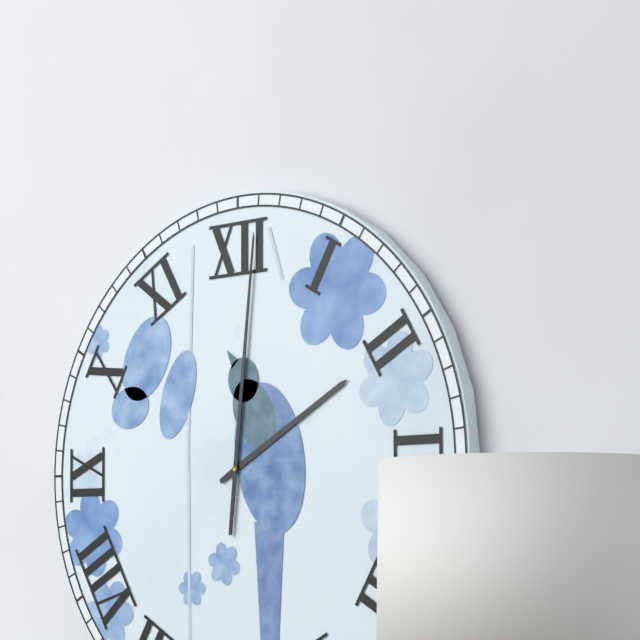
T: 2 h 01 min
